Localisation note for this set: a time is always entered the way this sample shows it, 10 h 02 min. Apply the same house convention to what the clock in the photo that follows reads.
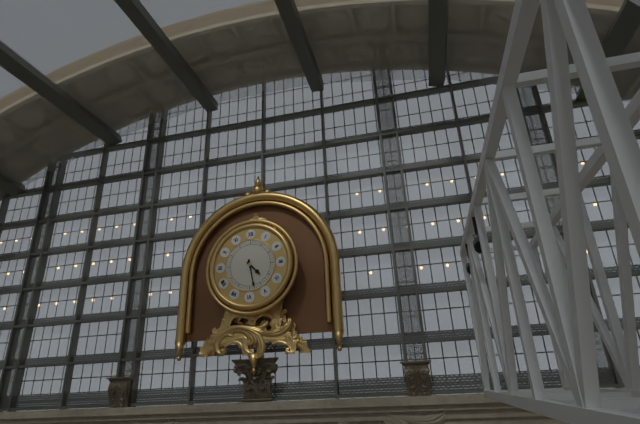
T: 4 h 28 min
